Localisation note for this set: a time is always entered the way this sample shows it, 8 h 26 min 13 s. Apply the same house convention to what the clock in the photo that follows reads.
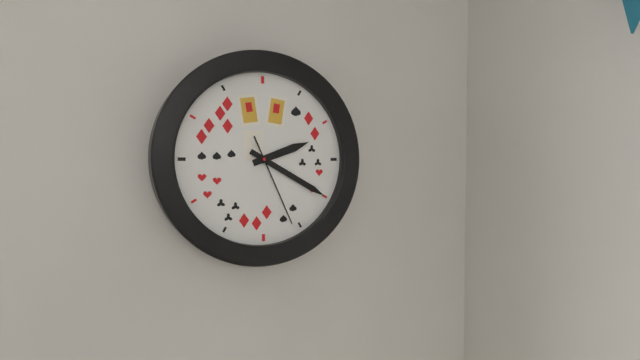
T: 2 h 20 min 26 s
